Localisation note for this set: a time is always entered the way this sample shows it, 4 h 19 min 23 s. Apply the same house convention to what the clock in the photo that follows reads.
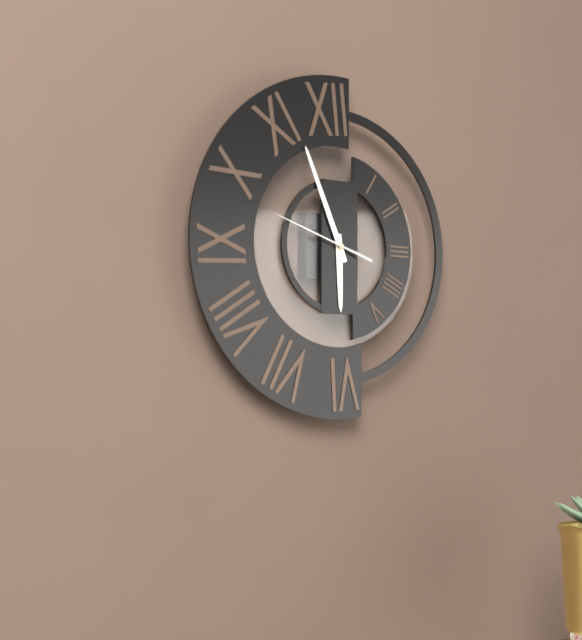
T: 5 h 56 min 48 s
